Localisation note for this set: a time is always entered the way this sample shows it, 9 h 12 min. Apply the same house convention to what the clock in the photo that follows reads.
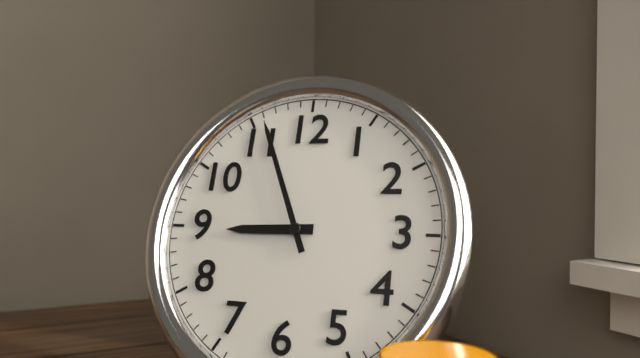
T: 8 h 56 min
